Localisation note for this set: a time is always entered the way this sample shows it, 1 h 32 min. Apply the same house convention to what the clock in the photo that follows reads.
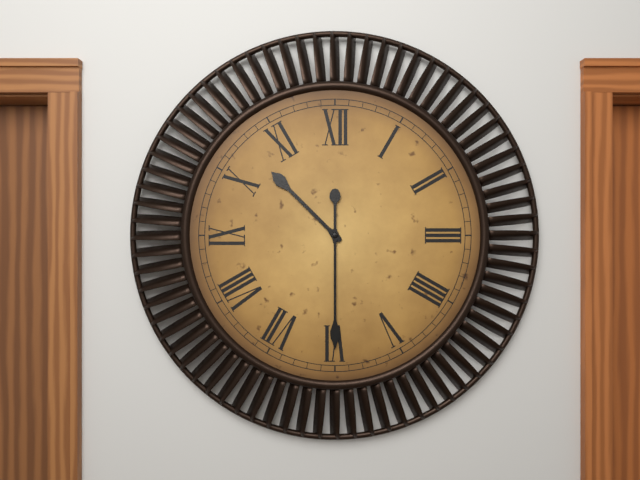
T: 10 h 30 min
